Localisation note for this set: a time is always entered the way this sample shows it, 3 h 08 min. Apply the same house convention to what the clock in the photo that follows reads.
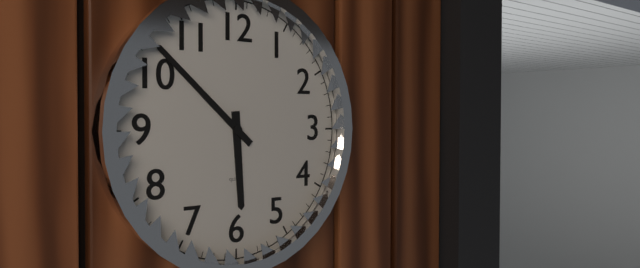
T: 5 h 52 min
